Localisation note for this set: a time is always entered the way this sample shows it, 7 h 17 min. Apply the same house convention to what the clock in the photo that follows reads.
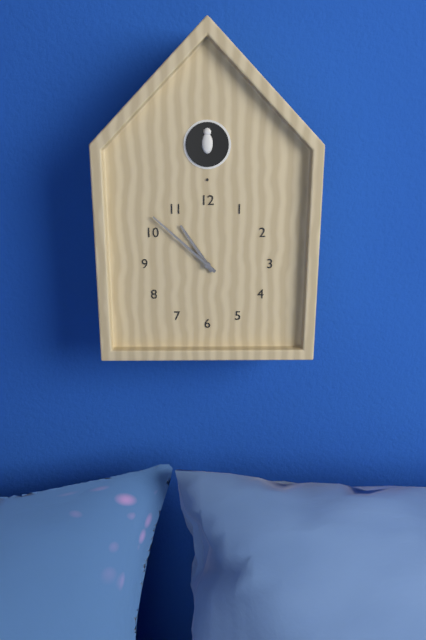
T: 10 h 52 min
